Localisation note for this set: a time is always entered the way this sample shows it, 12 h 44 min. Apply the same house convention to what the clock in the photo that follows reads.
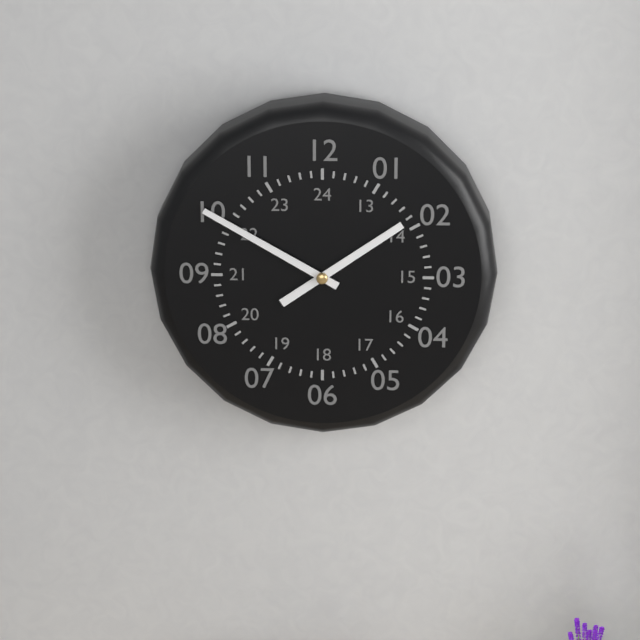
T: 1 h 50 min
